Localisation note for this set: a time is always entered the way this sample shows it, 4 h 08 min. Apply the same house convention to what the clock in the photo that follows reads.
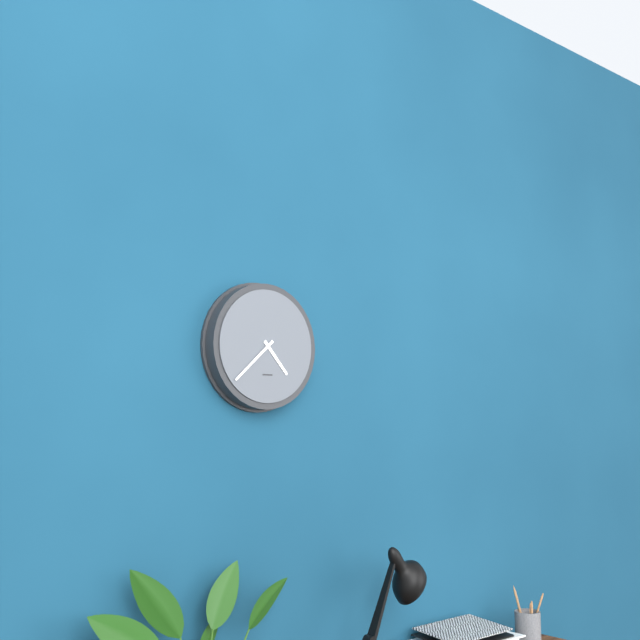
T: 4 h 38 min
